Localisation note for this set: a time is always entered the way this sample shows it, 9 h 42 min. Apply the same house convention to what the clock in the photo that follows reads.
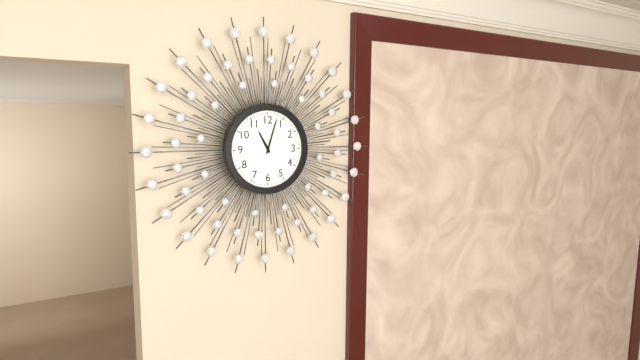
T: 11 h 03 min
